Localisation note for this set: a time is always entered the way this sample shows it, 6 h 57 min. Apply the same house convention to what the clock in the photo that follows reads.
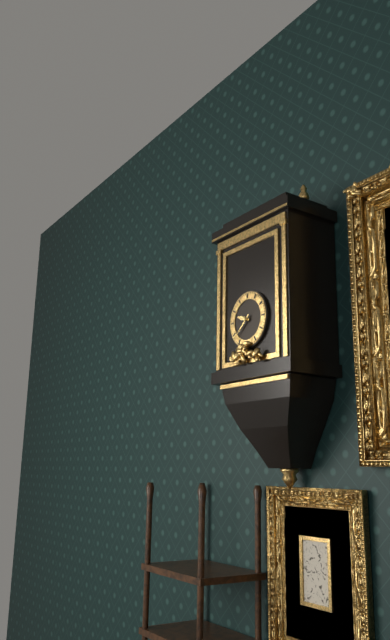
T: 9 h 38 min
